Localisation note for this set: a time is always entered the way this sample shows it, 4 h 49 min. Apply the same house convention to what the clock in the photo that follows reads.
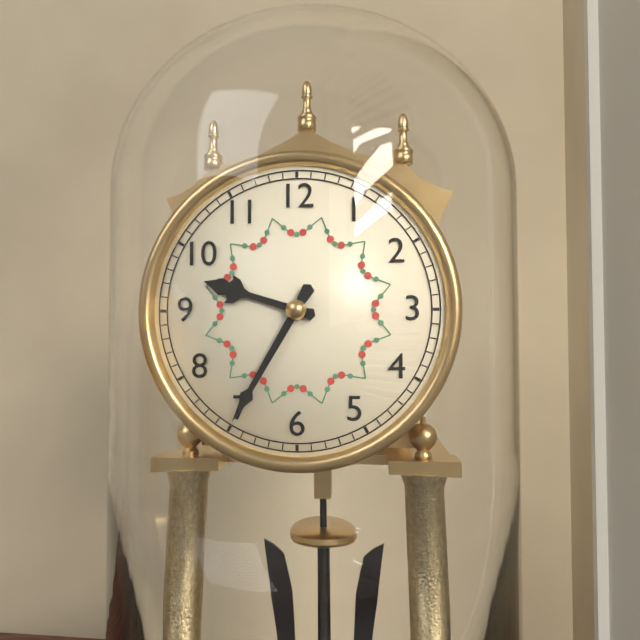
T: 9 h 35 min
